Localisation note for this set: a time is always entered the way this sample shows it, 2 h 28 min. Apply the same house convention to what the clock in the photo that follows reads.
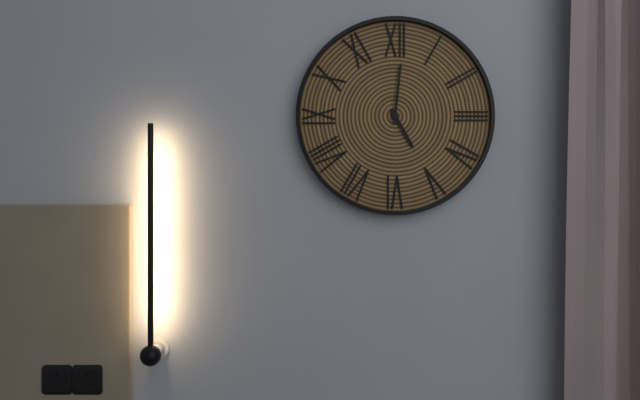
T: 5 h 01 min
